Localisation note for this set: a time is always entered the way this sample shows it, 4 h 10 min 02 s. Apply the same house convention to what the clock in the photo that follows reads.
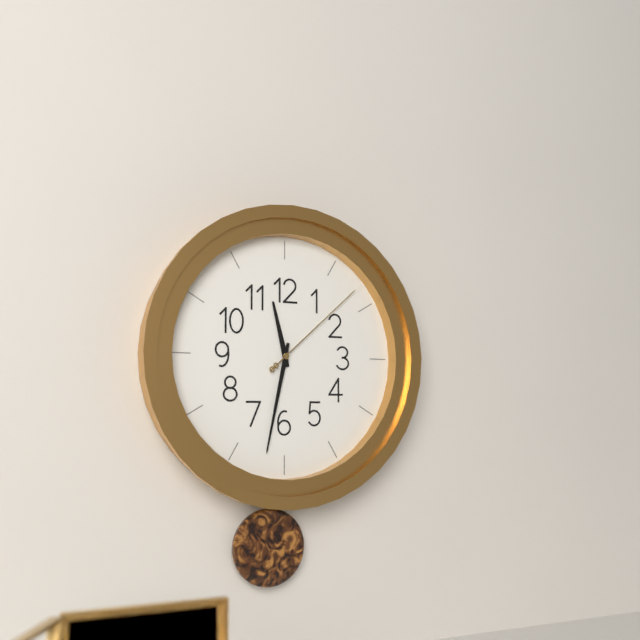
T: 11 h 32 min 08 s
